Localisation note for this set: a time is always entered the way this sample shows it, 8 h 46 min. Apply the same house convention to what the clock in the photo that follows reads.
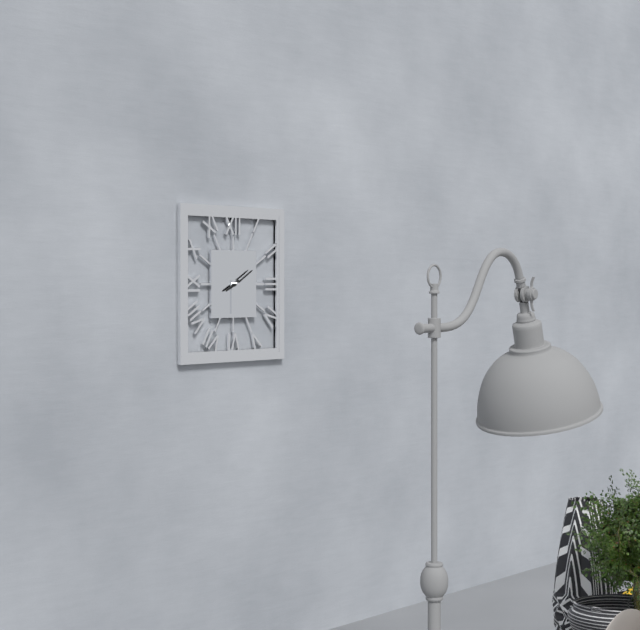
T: 8 h 10 min
